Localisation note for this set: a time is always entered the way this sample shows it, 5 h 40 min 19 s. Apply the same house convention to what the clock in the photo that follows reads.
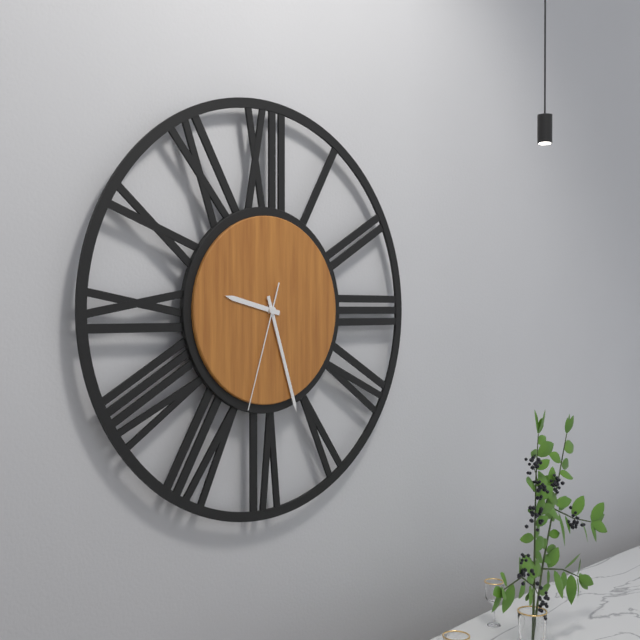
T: 9 h 27 min 33 s
